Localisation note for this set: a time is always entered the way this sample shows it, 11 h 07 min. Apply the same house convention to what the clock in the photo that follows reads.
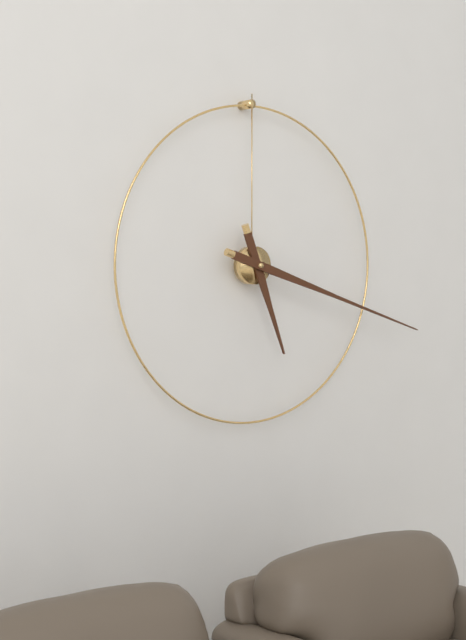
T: 5 h 18 min
